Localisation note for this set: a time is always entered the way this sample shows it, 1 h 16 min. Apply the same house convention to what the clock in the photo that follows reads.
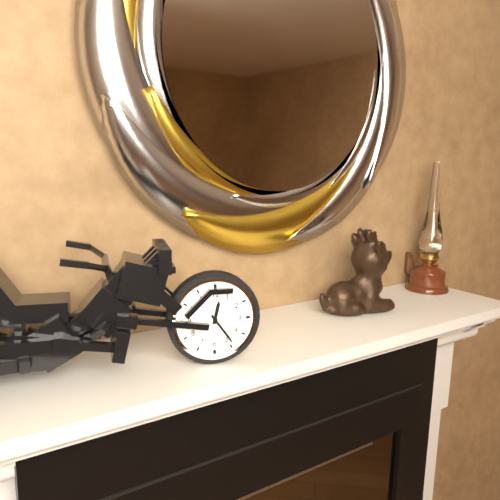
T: 12 h 24 min
